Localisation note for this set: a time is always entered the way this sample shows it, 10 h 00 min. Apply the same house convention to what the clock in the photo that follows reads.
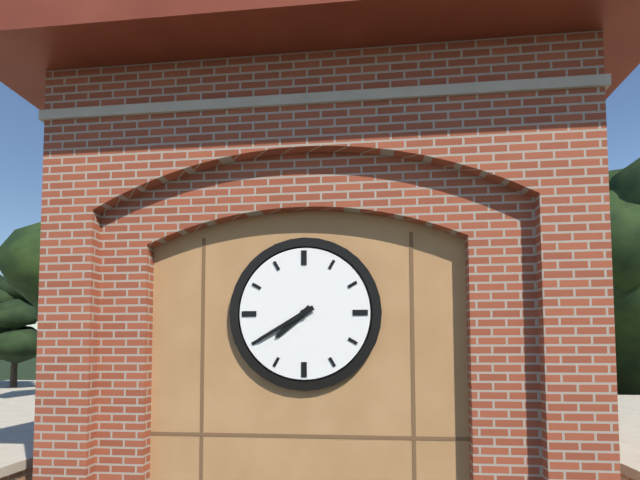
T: 7 h 40 min
